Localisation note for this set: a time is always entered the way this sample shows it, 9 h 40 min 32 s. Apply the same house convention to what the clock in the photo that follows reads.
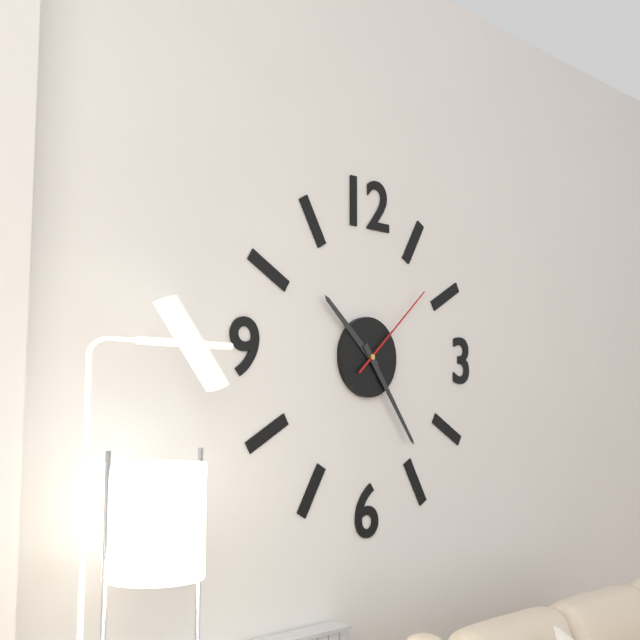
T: 10 h 24 min 08 s
